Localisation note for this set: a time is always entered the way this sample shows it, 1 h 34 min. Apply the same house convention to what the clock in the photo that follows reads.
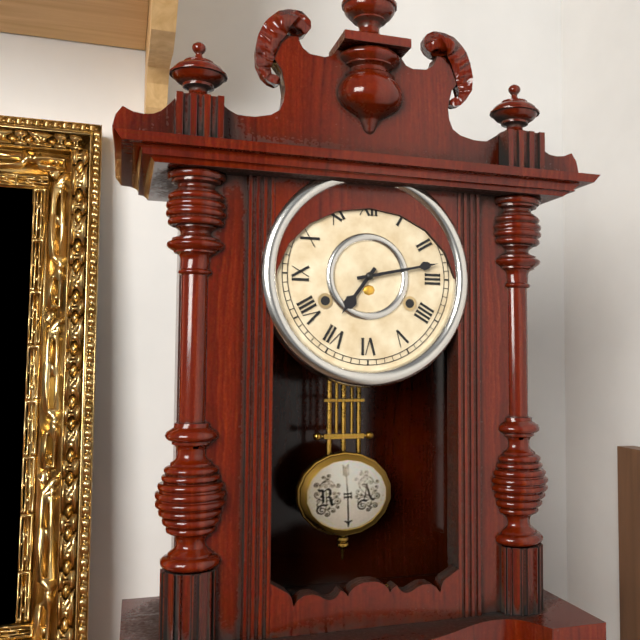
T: 7 h 13 min
